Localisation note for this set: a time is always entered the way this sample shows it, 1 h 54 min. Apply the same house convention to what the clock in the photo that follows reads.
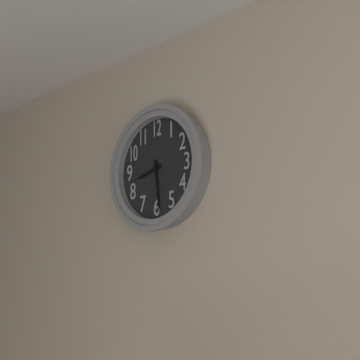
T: 8 h 29 min
